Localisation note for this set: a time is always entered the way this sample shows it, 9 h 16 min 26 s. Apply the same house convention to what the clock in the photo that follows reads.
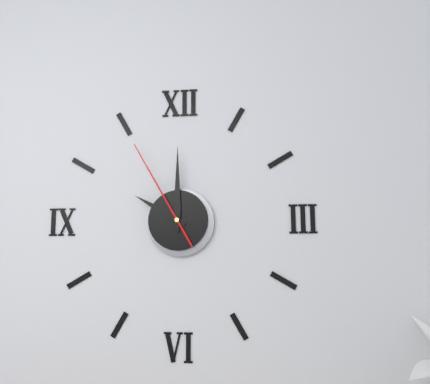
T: 10 h 00 min 55 s
